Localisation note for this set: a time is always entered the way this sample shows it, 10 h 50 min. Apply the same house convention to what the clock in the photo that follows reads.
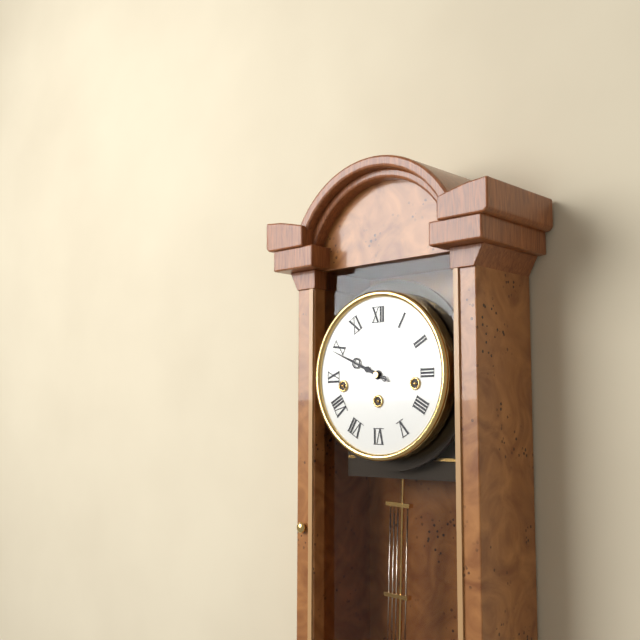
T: 9 h 49 min
